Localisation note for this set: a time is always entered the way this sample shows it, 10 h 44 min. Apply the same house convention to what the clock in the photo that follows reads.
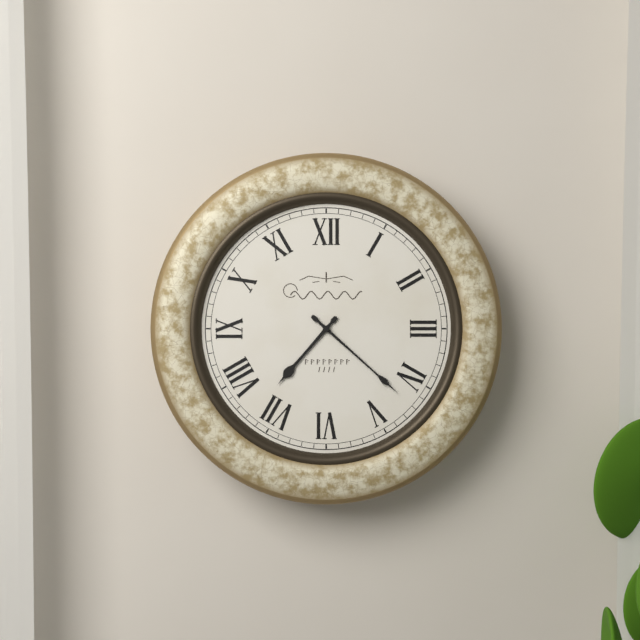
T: 7 h 22 min
